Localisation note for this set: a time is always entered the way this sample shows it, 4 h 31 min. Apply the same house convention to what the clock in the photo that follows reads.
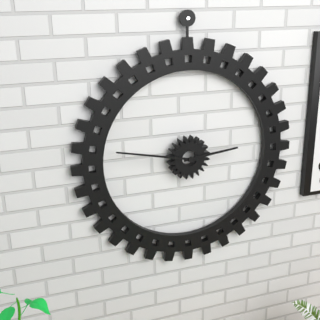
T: 2 h 47 min
